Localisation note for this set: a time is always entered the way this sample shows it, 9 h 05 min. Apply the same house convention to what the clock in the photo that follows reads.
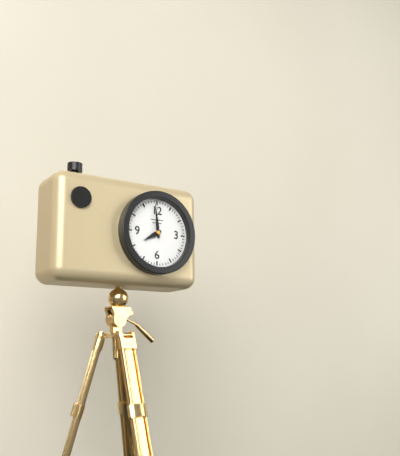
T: 7 h 59 min
